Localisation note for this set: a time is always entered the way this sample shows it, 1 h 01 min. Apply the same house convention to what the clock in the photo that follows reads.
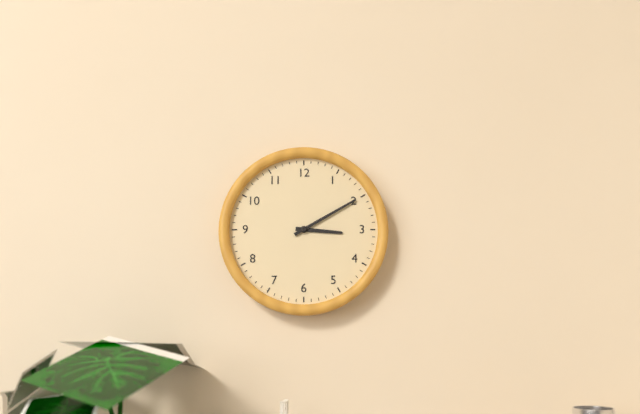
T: 3 h 10 min
